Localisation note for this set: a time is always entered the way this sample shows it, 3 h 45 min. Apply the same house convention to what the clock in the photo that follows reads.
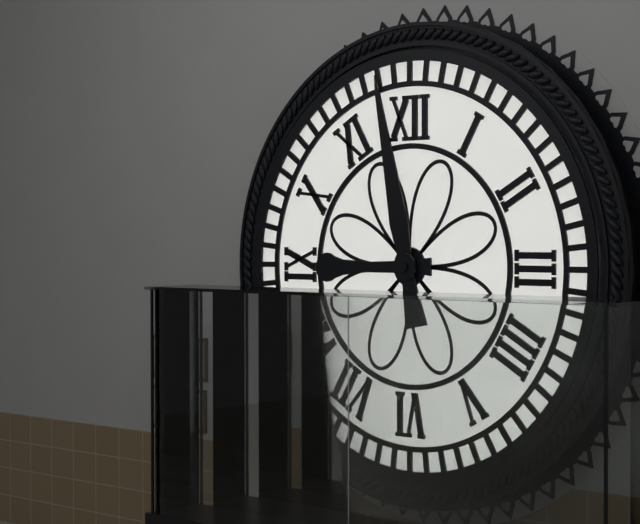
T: 8 h 58 min
